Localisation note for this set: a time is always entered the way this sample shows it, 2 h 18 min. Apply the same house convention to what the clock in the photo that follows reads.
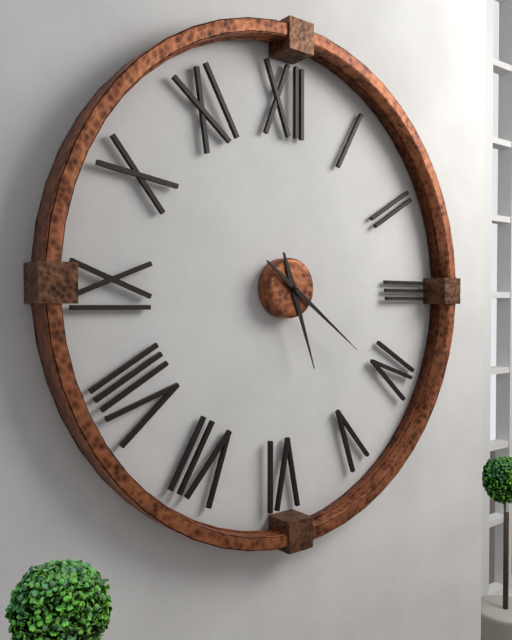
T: 5 h 21 min
